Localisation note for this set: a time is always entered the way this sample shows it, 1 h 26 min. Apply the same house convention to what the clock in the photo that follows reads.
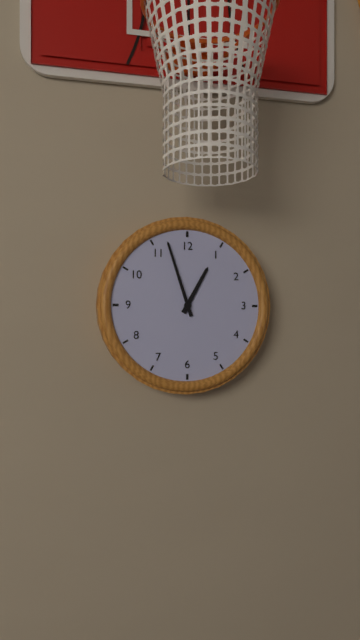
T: 12 h 57 min
